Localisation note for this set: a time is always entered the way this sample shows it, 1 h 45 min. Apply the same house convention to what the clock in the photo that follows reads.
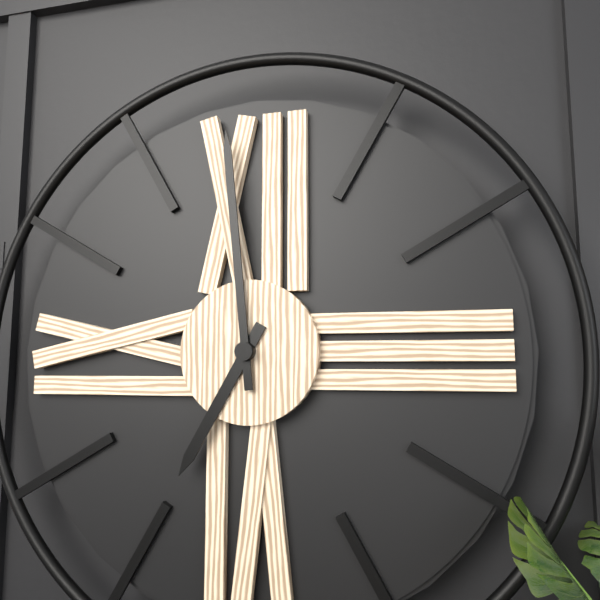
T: 6 h 59 min
